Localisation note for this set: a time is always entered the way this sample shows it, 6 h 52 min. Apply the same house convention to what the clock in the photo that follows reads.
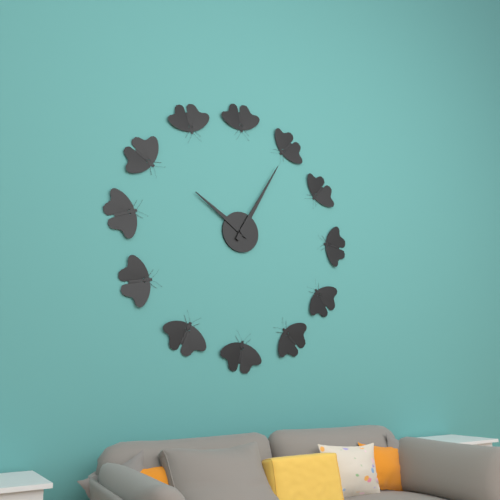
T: 10 h 05 min
